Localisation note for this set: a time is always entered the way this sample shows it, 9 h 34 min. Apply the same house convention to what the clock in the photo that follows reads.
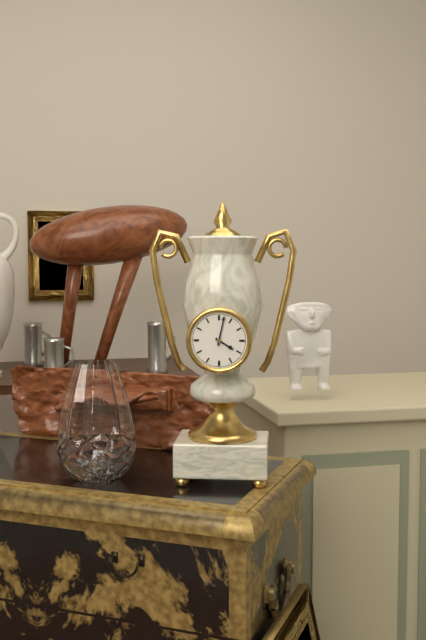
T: 4 h 02 min
